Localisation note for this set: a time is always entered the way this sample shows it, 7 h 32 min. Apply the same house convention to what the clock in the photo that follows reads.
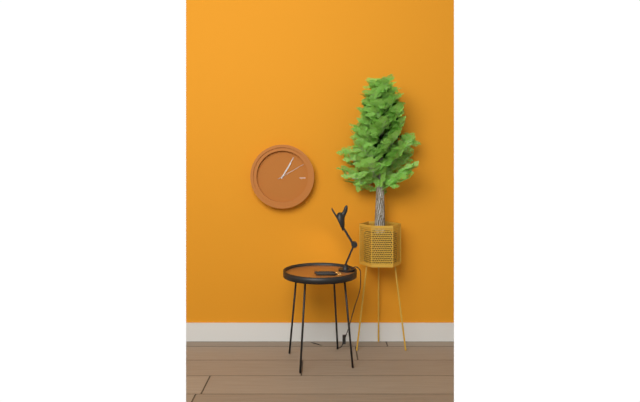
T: 1 h 05 min
